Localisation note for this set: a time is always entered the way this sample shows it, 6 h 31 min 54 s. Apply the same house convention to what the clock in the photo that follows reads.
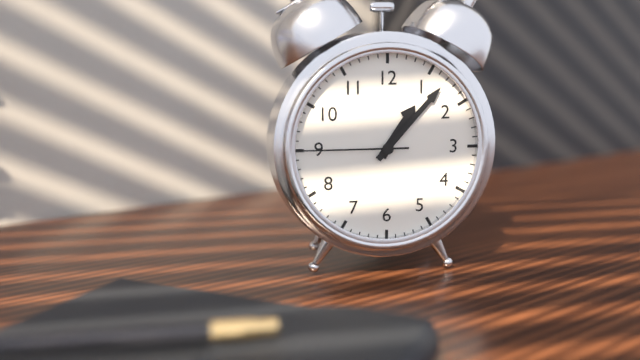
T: 1 h 07 min 45 s
